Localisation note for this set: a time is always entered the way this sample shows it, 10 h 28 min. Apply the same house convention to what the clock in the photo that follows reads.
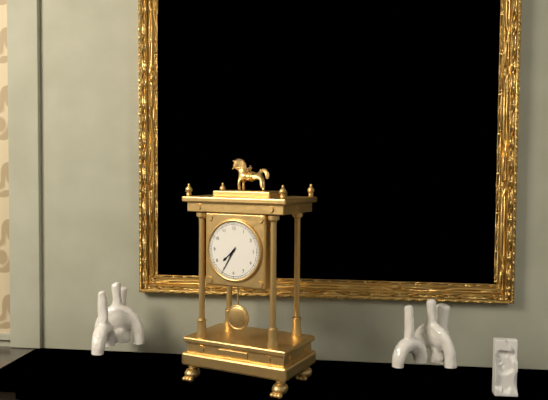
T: 7 h 35 min
